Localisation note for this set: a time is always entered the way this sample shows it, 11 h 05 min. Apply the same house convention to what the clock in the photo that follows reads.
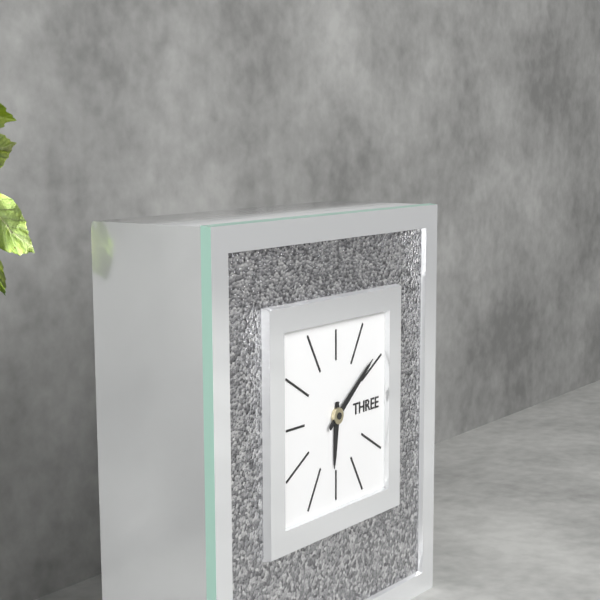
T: 6 h 09 min
